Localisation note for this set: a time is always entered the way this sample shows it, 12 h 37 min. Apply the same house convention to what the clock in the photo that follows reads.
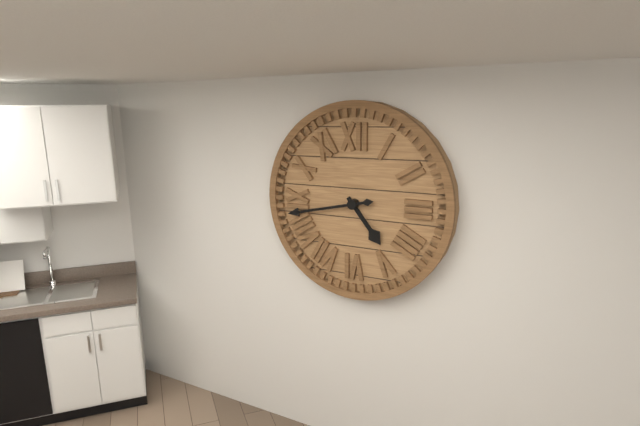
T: 4 h 43 min
